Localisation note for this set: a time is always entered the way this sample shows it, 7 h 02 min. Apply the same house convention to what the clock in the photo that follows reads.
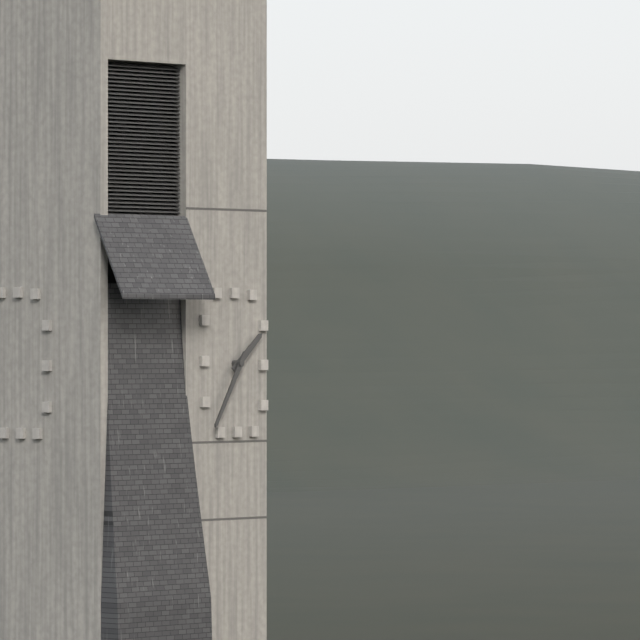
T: 1 h 35 min
